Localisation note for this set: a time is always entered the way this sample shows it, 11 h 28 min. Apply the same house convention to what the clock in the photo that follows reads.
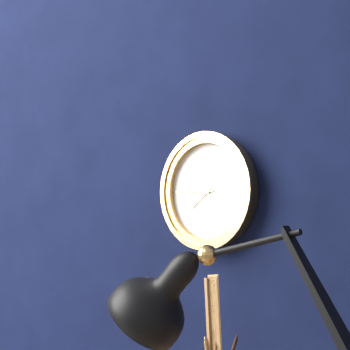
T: 7 h 45 min
